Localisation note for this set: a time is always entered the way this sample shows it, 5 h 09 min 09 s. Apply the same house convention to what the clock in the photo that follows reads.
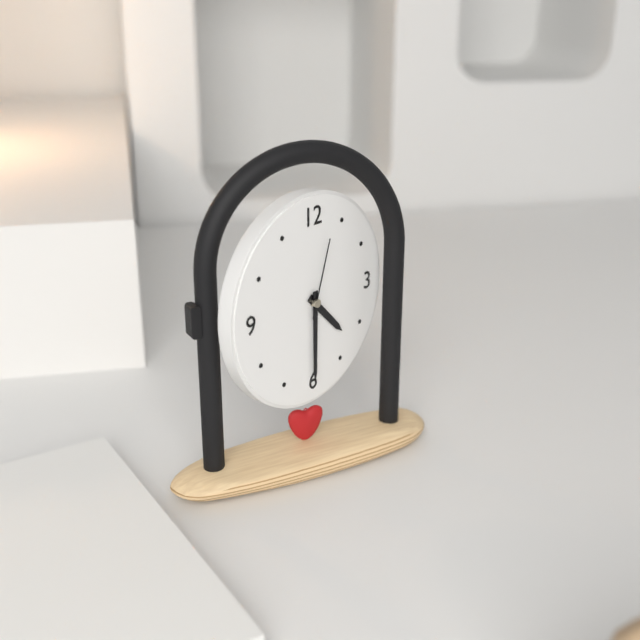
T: 4 h 30 min 03 s
